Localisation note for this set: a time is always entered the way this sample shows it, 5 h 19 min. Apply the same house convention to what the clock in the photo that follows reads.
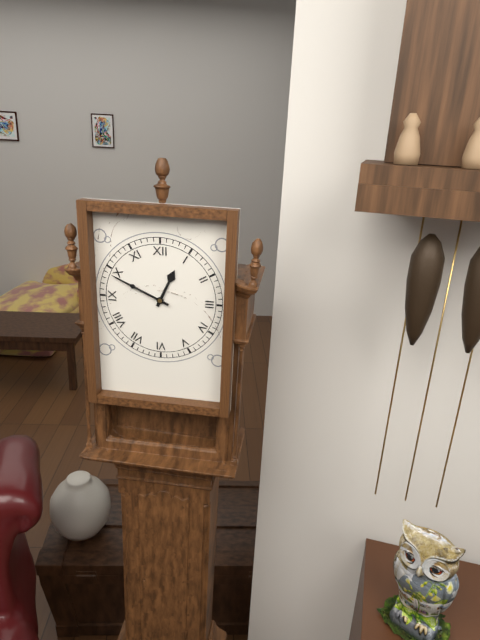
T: 12 h 49 min
